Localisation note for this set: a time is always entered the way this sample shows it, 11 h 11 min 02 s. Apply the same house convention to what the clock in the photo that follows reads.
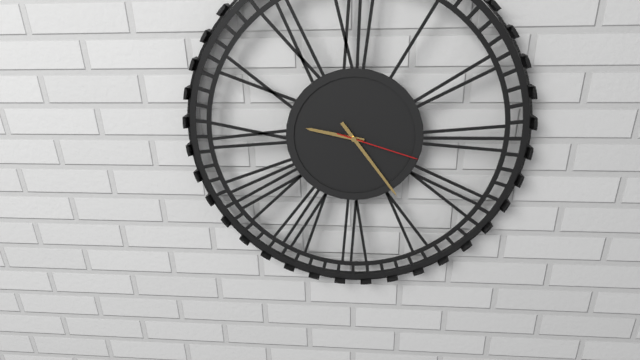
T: 9 h 24 min 18 s
